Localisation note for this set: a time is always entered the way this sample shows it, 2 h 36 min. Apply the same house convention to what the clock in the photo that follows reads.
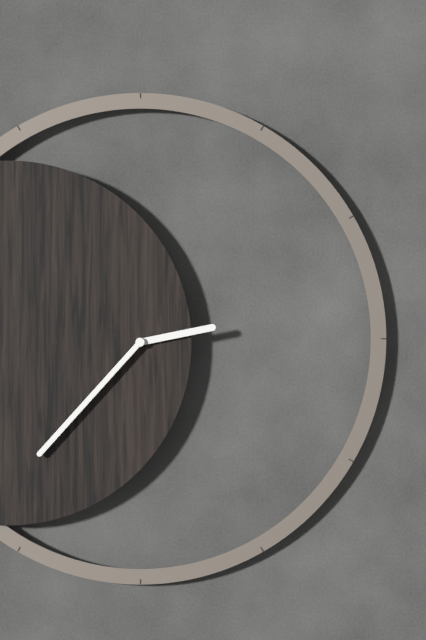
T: 2 h 37 min
